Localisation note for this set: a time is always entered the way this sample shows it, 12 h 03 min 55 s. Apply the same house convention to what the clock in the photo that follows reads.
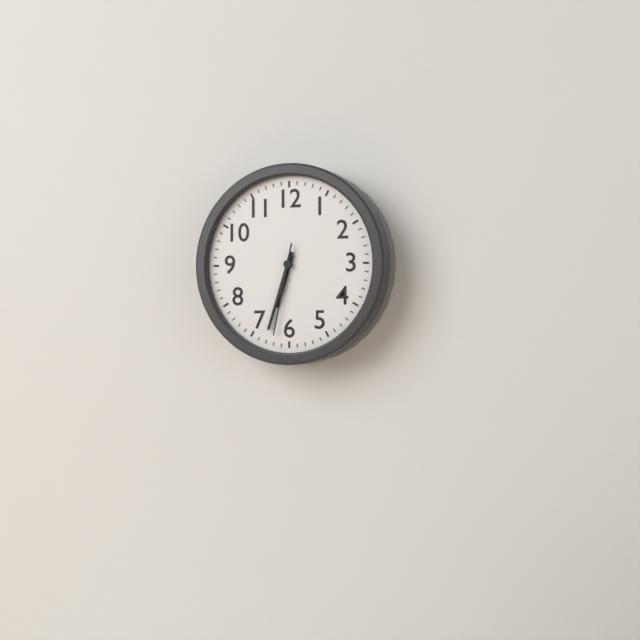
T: 6 h 33 min 32 s
